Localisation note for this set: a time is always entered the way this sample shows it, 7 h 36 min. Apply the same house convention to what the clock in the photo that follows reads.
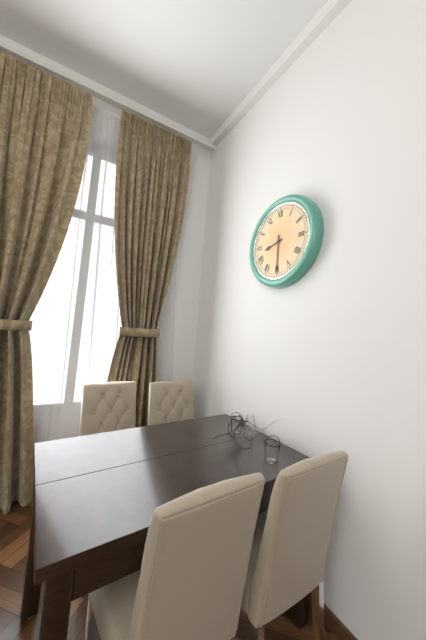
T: 8 h 30 min
